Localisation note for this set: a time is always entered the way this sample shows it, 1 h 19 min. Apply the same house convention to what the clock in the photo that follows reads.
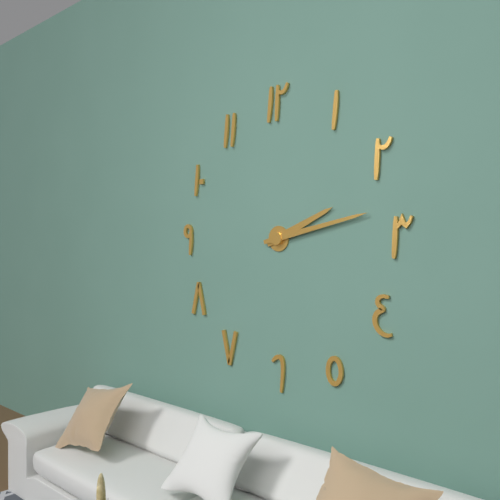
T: 2 h 13 min
